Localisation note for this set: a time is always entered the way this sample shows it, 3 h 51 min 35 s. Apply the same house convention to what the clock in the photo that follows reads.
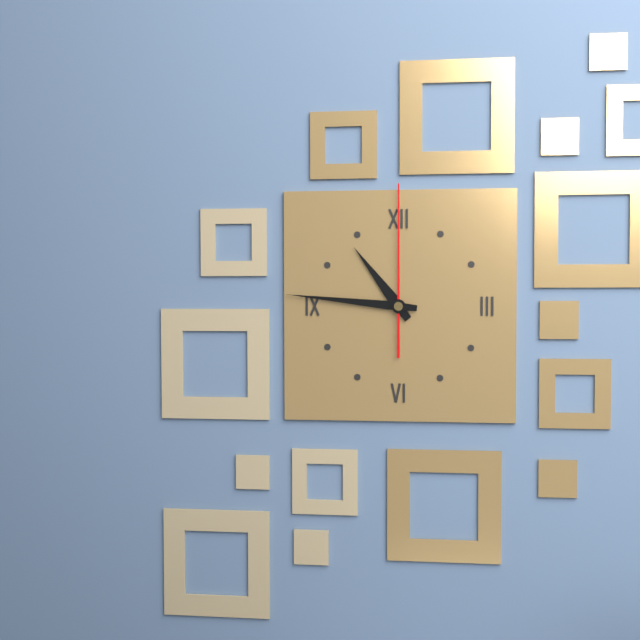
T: 10 h 46 min 00 s
